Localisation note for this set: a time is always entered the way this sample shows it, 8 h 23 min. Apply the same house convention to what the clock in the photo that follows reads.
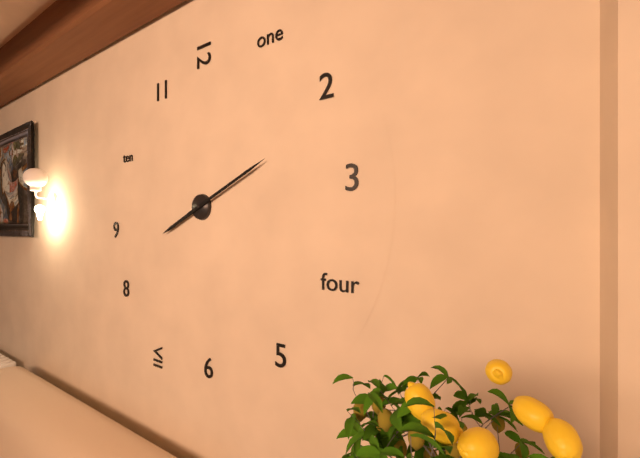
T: 8 h 11 min
